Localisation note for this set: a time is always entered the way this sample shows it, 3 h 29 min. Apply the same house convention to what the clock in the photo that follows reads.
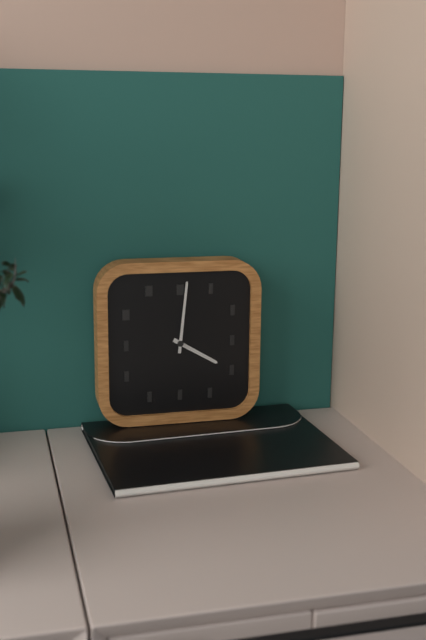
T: 4 h 01 min
